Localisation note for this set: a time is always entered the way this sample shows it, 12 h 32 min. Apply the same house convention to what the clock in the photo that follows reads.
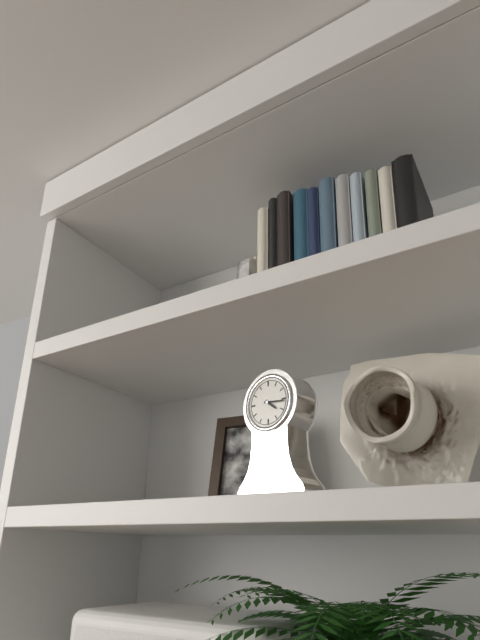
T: 4 h 16 min
